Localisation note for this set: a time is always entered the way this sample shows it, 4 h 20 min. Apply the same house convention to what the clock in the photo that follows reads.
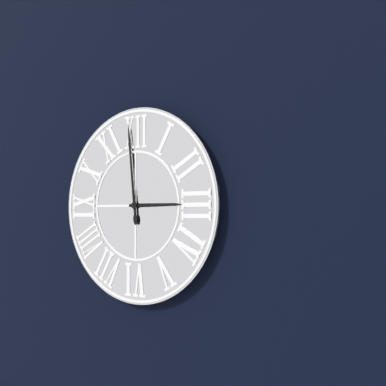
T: 2 h 59 min
